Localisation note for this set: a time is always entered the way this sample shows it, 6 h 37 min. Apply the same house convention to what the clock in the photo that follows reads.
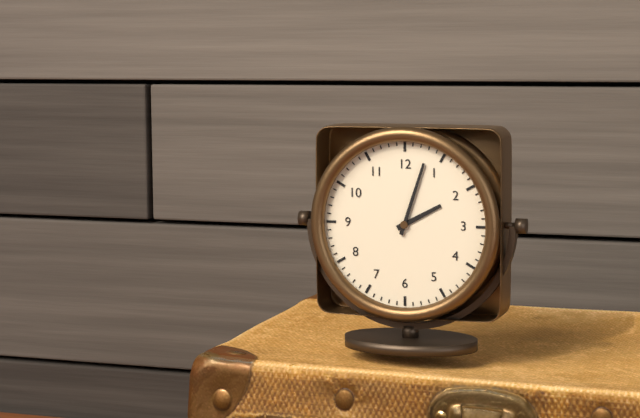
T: 2 h 03 min
